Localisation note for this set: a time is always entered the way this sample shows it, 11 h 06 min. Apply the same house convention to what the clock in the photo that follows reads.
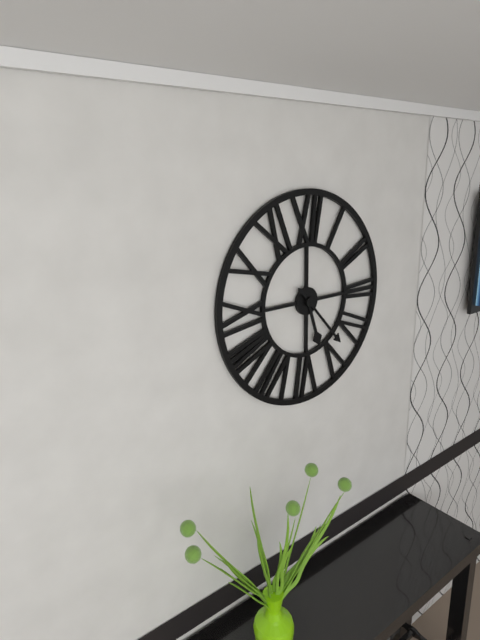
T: 5 h 23 min
